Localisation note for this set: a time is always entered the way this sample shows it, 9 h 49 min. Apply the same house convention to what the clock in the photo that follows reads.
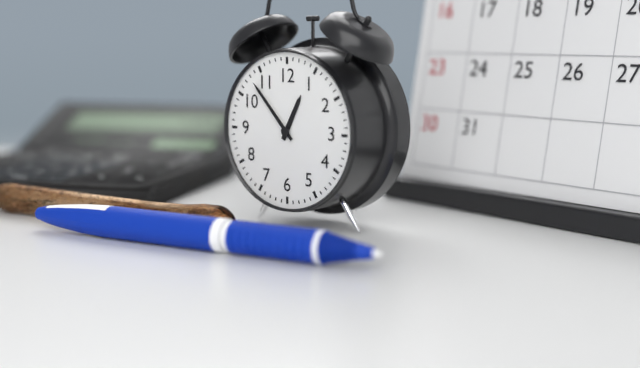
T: 12 h 53 min
